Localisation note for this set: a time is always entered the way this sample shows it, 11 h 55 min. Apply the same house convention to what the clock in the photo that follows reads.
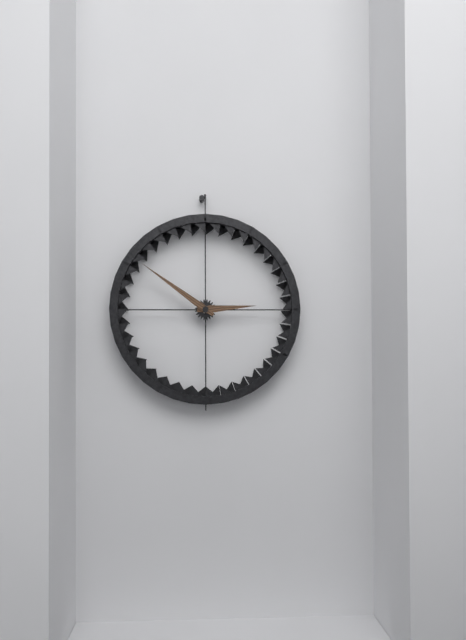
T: 2 h 51 min
